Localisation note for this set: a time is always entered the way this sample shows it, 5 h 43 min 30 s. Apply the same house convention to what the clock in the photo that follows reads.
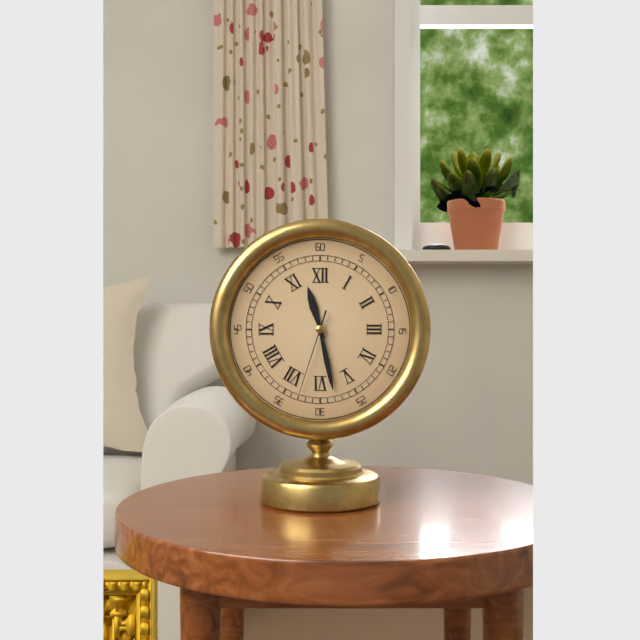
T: 11 h 28 min 33 s
